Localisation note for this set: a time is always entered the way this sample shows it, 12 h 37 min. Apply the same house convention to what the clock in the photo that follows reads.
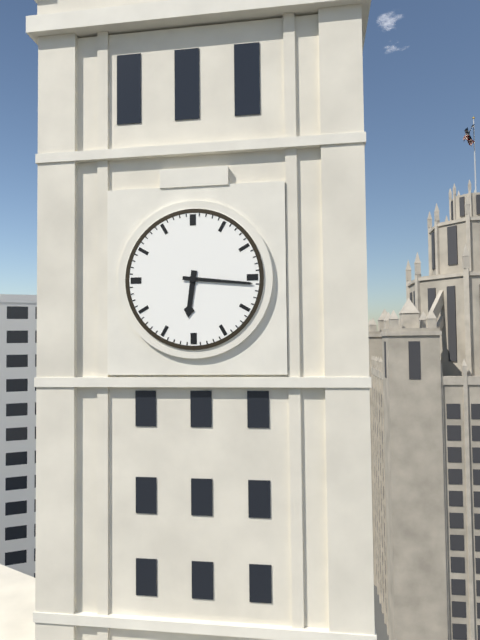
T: 6 h 16 min
